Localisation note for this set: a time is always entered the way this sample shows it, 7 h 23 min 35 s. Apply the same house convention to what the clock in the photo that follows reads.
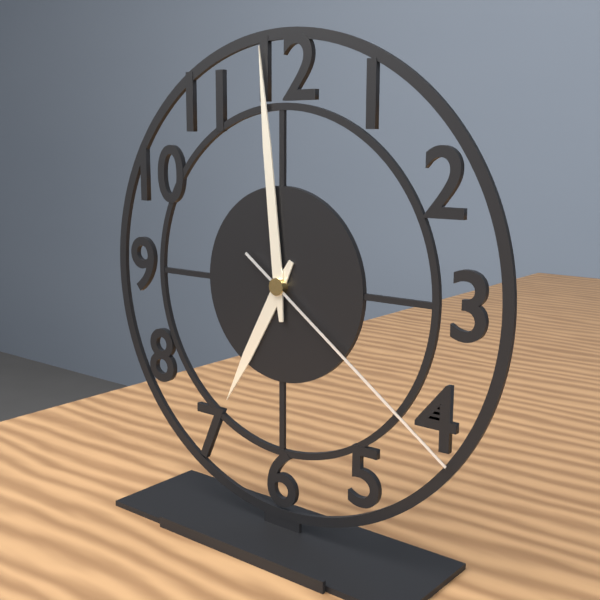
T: 6 h 59 min 21 s
